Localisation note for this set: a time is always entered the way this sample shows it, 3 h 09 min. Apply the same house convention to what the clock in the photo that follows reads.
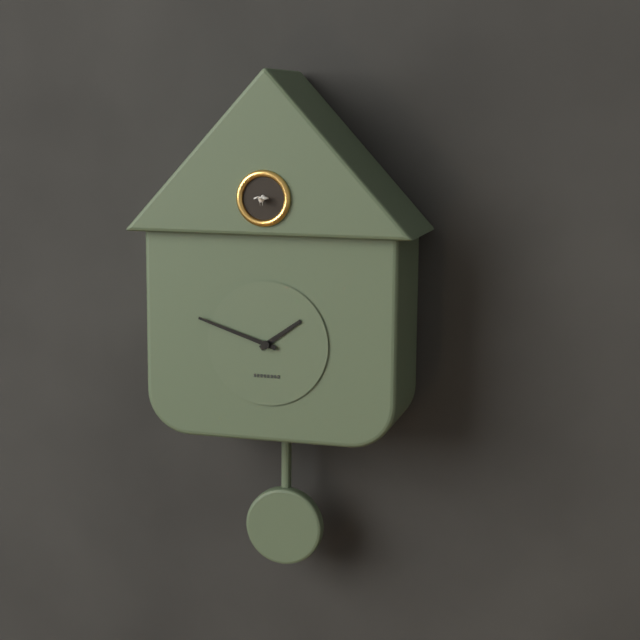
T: 1 h 48 min
